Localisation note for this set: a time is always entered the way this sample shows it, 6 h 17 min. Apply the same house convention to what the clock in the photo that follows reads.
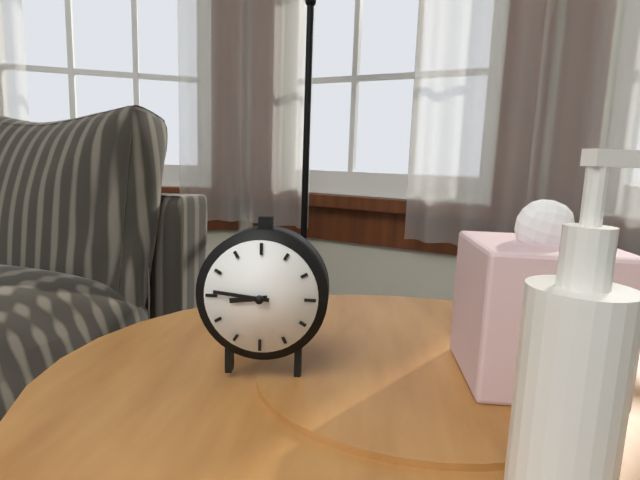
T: 8 h 46 min
